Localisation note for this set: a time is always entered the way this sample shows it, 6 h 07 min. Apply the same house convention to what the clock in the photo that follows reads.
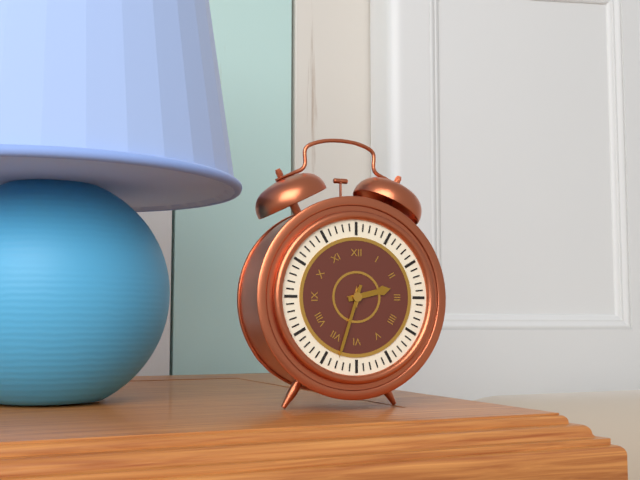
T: 2 h 33 min
